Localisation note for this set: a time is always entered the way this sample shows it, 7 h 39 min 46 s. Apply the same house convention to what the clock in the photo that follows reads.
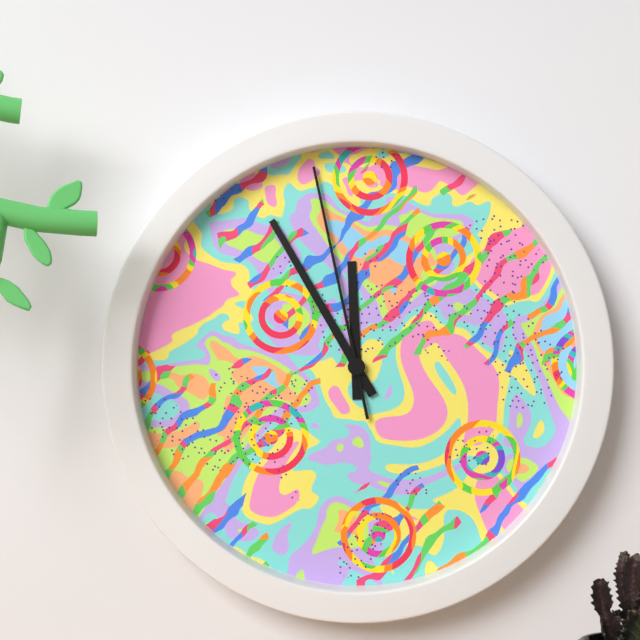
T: 11 h 55 min 58 s
